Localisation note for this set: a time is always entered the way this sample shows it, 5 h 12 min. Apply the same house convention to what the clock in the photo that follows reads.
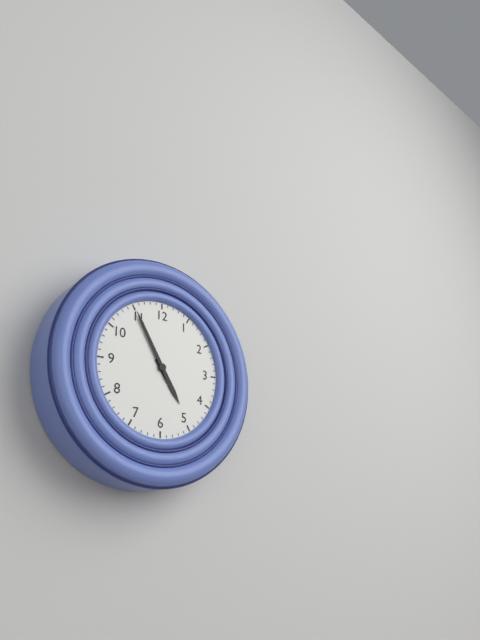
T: 4 h 55 min
